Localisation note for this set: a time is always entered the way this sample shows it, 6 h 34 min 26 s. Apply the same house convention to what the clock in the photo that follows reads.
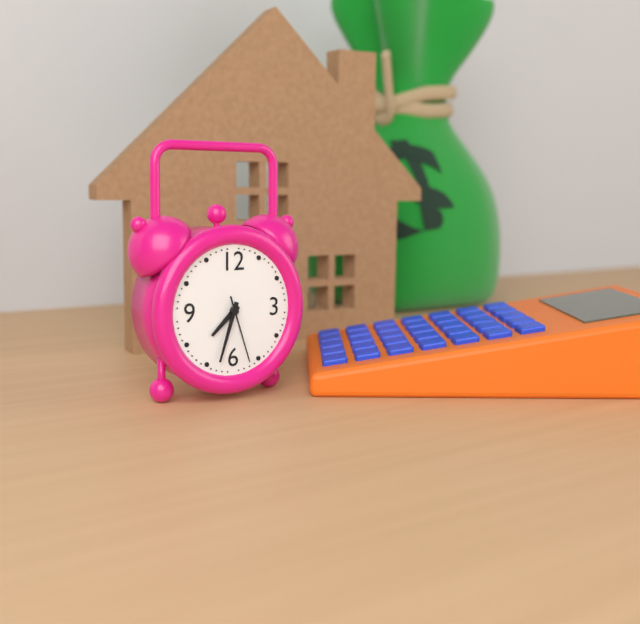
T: 7 h 33 min 27 s
